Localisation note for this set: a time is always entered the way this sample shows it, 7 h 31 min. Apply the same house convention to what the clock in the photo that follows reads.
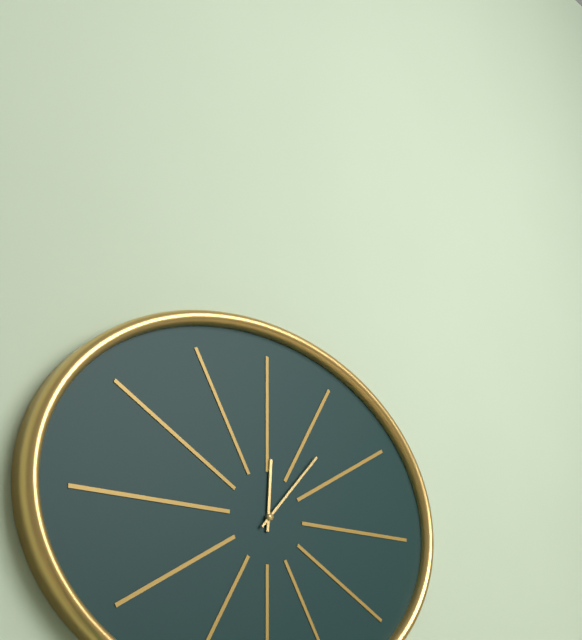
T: 12 h 07 min
